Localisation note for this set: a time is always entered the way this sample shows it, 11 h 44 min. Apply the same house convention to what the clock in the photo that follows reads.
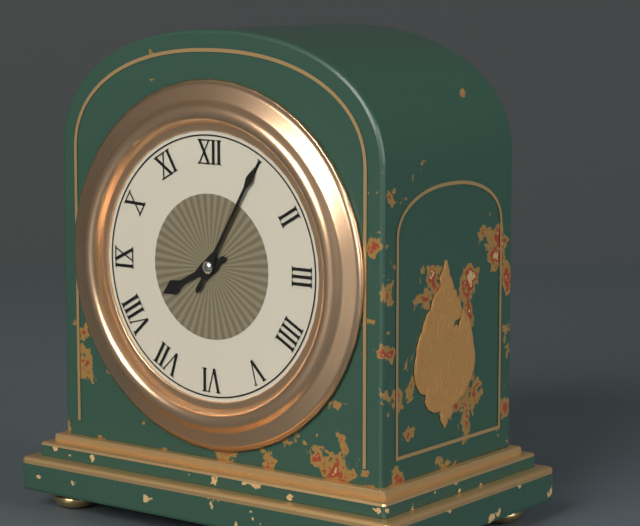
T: 8 h 05 min
